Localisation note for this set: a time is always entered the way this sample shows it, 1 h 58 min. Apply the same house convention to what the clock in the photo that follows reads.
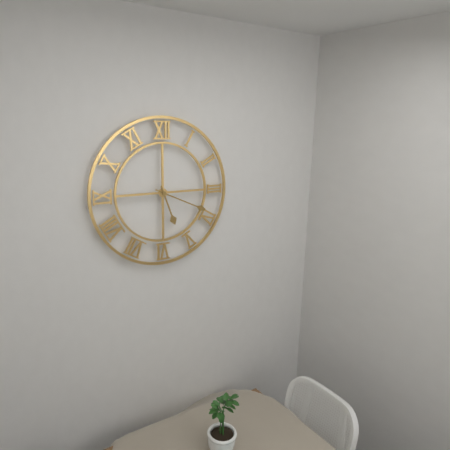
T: 5 h 19 min
